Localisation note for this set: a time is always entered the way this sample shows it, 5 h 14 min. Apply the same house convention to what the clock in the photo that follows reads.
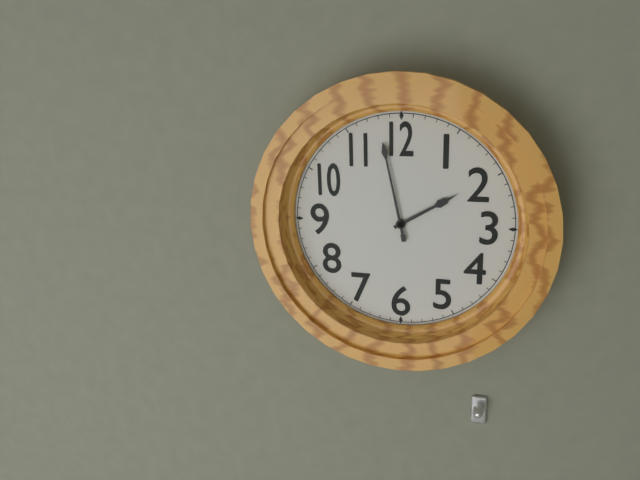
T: 1 h 58 min
